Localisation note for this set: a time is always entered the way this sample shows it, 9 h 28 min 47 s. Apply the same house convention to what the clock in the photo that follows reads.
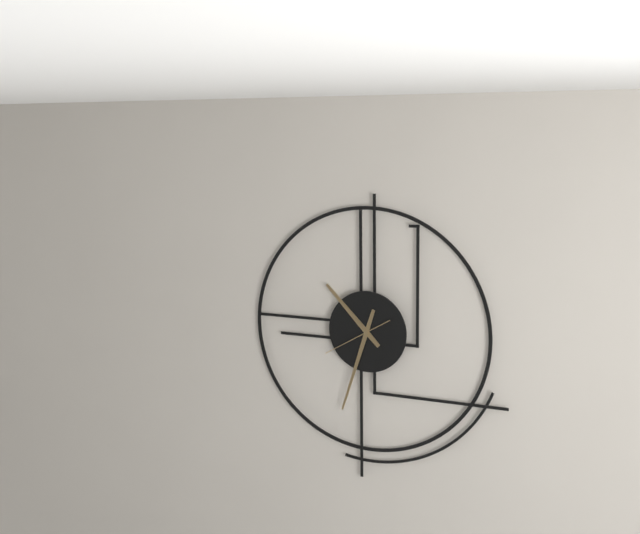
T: 10 h 33 min 40 s
